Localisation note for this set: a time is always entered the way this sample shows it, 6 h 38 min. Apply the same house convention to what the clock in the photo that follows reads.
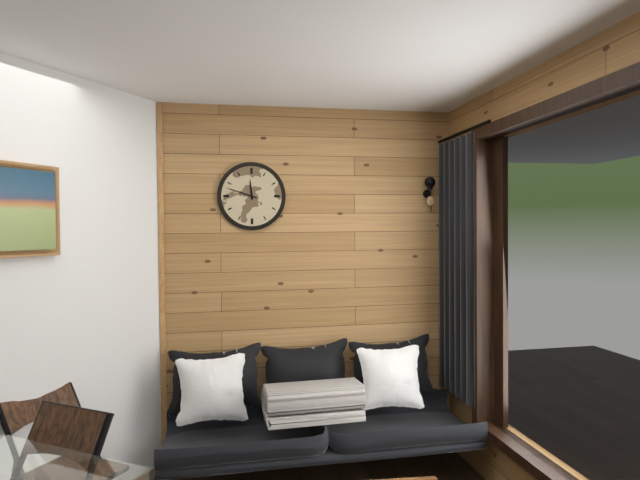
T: 11 h 48 min
